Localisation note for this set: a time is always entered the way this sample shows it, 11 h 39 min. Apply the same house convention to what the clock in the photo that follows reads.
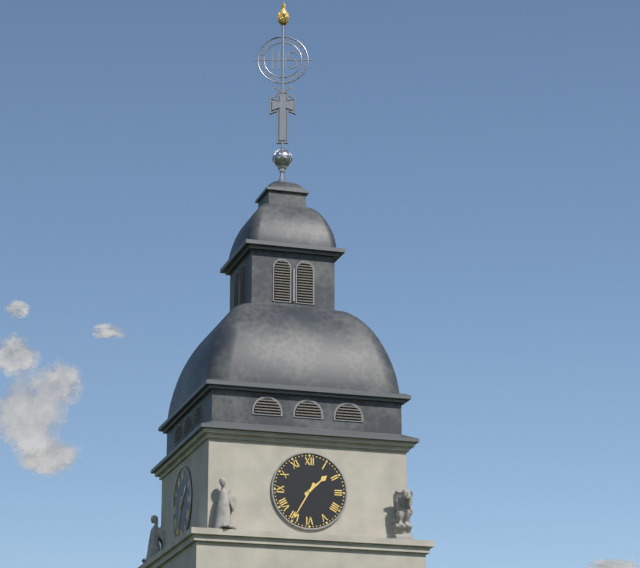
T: 1 h 35 min
